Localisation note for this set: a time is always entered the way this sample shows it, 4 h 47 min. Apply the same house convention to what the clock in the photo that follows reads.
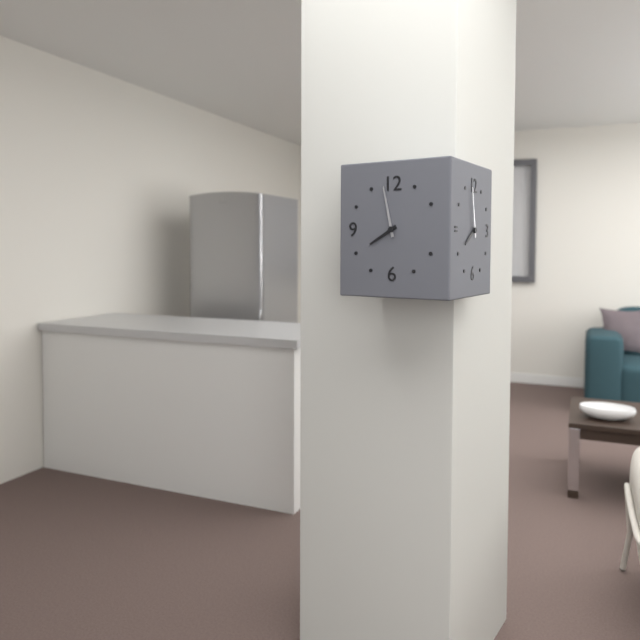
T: 7 h 58 min
